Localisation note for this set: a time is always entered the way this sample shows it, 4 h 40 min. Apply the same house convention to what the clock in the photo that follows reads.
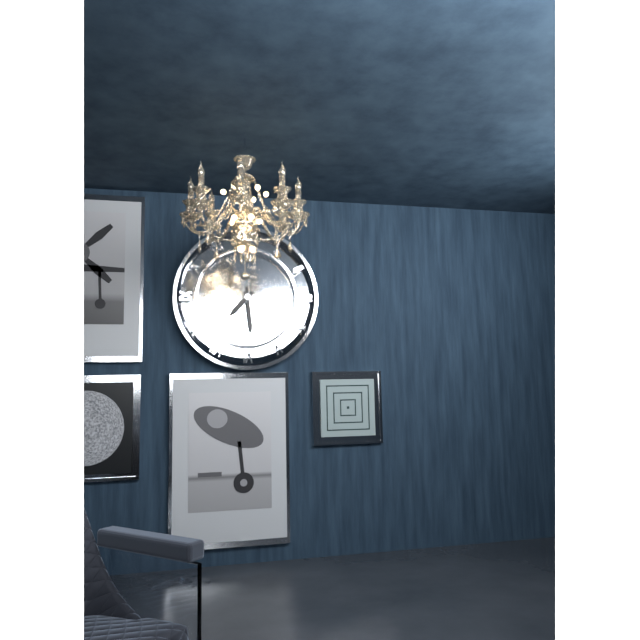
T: 7 h 29 min
